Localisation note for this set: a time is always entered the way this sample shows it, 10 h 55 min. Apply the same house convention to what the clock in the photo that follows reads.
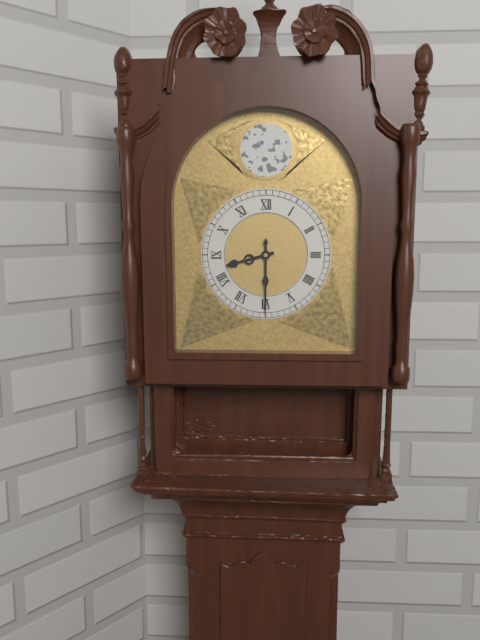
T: 8 h 30 min
